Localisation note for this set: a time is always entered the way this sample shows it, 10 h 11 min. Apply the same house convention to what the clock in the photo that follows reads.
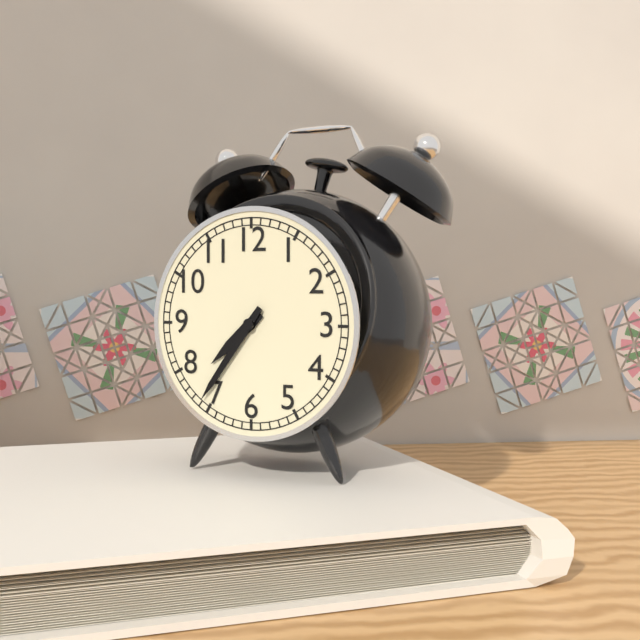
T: 7 h 36 min
